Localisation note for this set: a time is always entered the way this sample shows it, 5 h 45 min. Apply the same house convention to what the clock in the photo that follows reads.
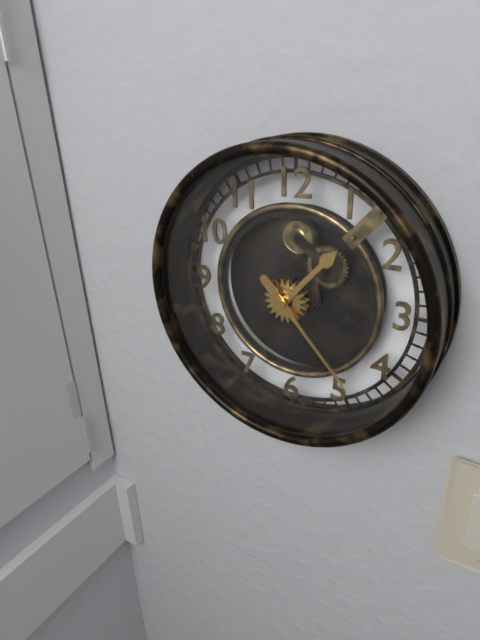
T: 1 h 23 min
